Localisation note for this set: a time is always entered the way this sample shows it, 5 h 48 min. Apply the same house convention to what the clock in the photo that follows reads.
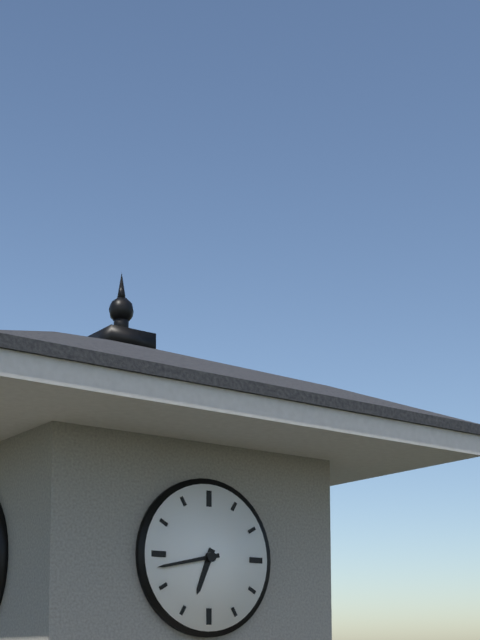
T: 6 h 43 min
